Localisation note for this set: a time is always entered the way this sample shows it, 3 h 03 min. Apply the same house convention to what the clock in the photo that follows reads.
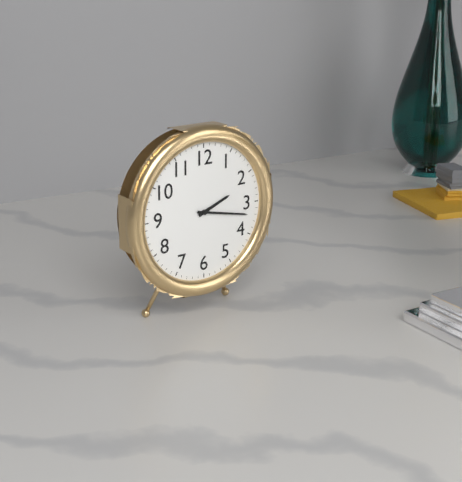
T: 2 h 17 min
